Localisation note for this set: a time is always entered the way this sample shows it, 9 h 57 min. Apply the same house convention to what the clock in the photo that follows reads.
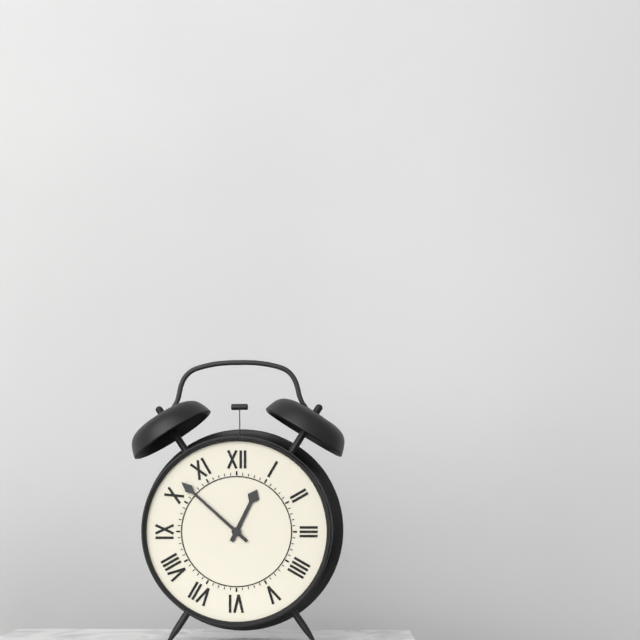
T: 12 h 52 min
